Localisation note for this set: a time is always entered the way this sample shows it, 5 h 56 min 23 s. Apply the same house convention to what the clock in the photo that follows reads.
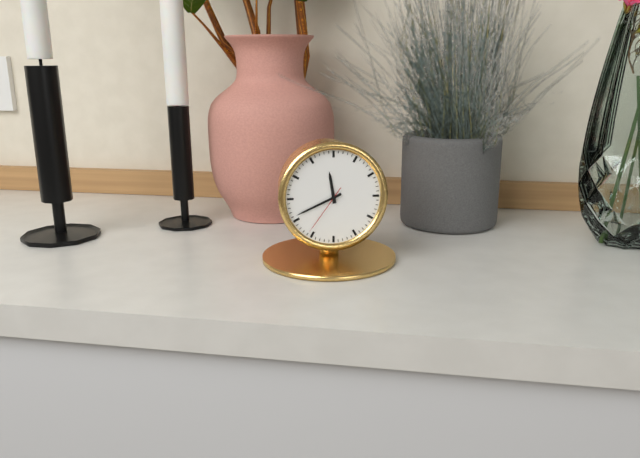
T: 11 h 41 min 36 s
